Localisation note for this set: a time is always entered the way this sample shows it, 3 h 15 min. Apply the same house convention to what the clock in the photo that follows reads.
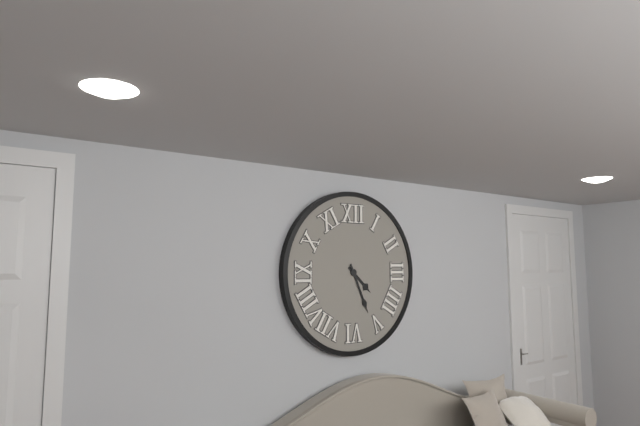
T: 4 h 26 min
